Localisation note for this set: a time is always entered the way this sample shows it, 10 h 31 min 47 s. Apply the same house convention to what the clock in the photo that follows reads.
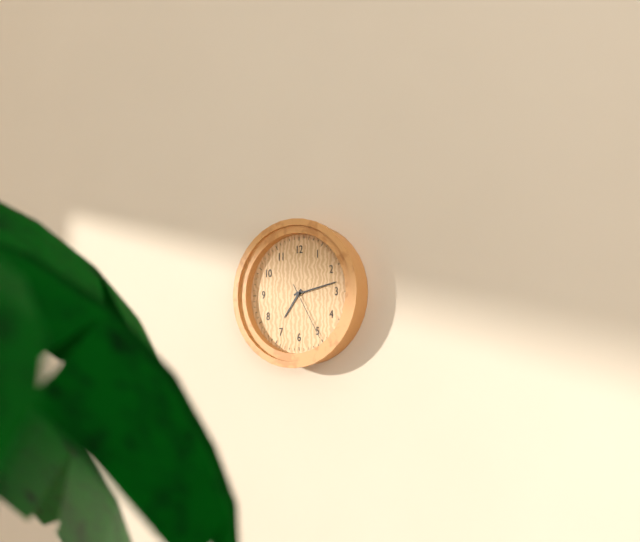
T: 7 h 13 min 25 s
